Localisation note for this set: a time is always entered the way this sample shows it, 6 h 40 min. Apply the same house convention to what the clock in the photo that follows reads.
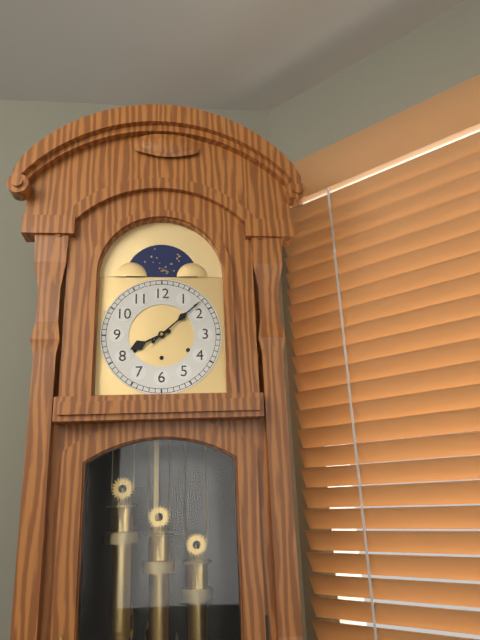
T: 8 h 08 min
